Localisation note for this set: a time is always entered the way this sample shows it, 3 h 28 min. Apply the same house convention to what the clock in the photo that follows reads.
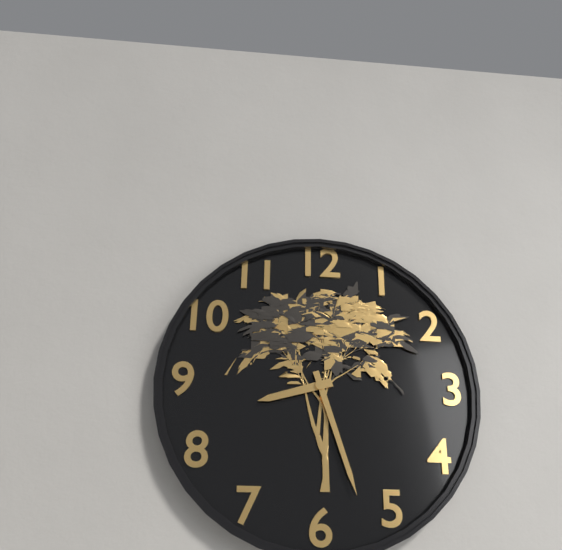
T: 8 h 27 min
